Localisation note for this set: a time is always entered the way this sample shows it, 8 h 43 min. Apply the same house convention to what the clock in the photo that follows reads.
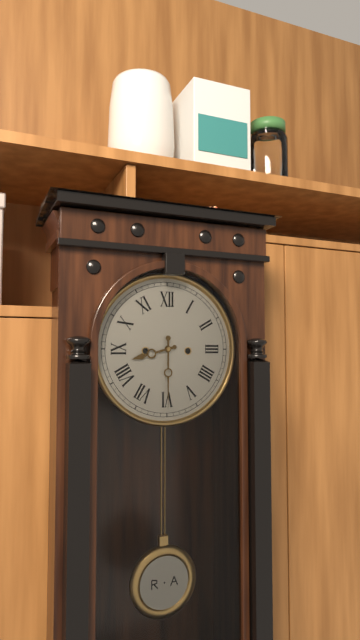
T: 8 h 30 min
